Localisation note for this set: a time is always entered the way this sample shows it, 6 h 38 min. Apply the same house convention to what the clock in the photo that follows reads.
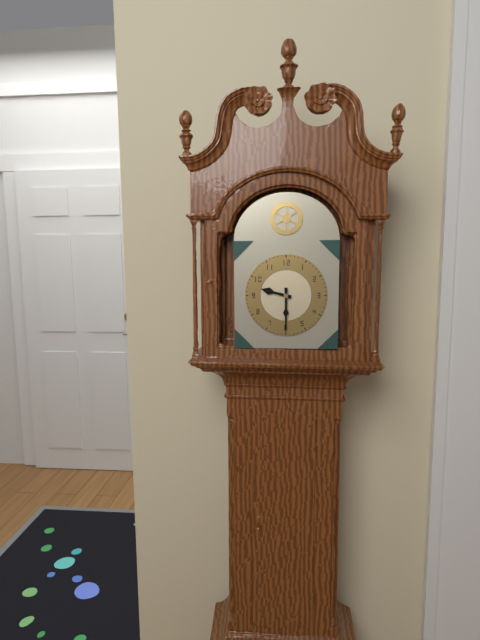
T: 9 h 30 min
